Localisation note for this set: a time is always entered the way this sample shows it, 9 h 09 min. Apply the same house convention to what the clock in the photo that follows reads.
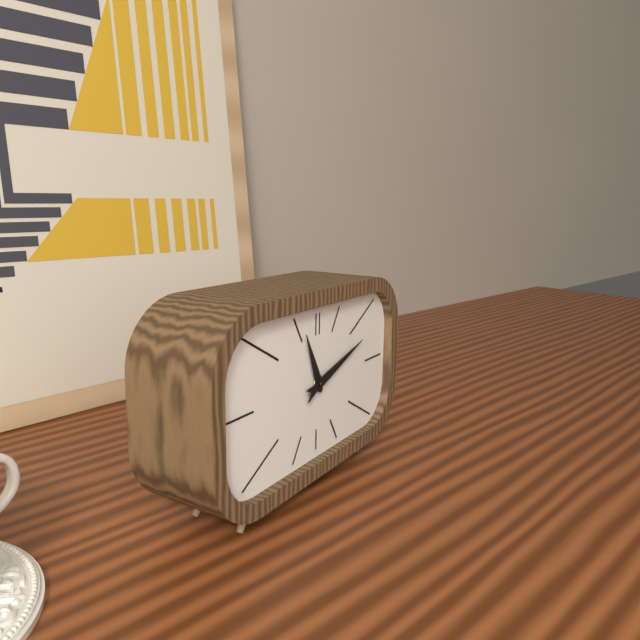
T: 11 h 12 min
